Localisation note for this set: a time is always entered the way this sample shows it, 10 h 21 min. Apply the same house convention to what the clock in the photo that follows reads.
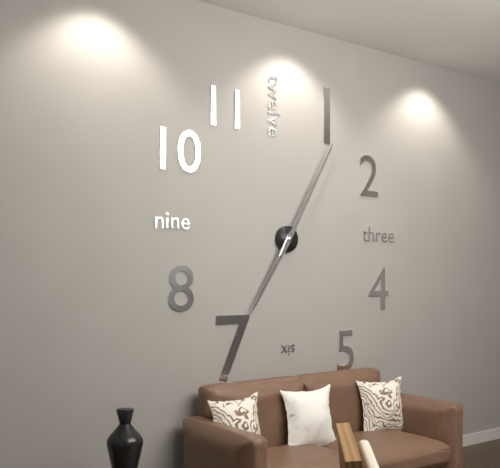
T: 7 h 05 min
